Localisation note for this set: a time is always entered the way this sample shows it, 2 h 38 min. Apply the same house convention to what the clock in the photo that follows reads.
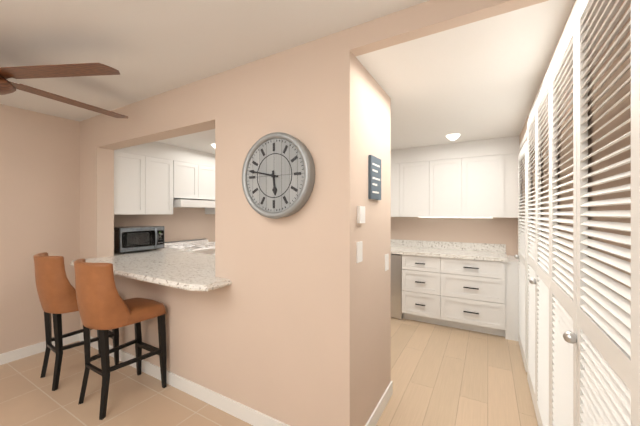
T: 5 h 47 min
